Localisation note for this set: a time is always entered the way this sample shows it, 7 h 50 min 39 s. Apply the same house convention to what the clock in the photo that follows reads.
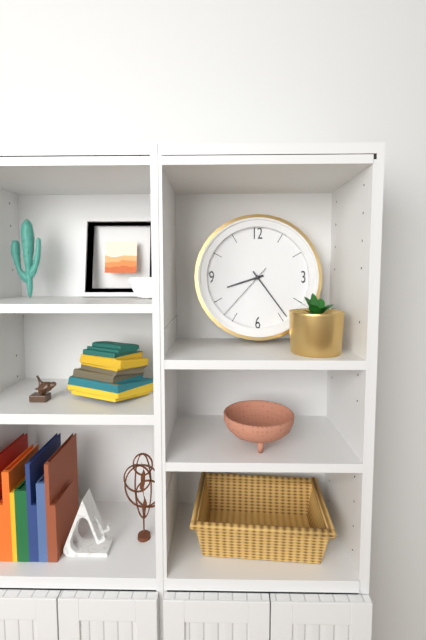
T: 8 h 24 min 37 s
